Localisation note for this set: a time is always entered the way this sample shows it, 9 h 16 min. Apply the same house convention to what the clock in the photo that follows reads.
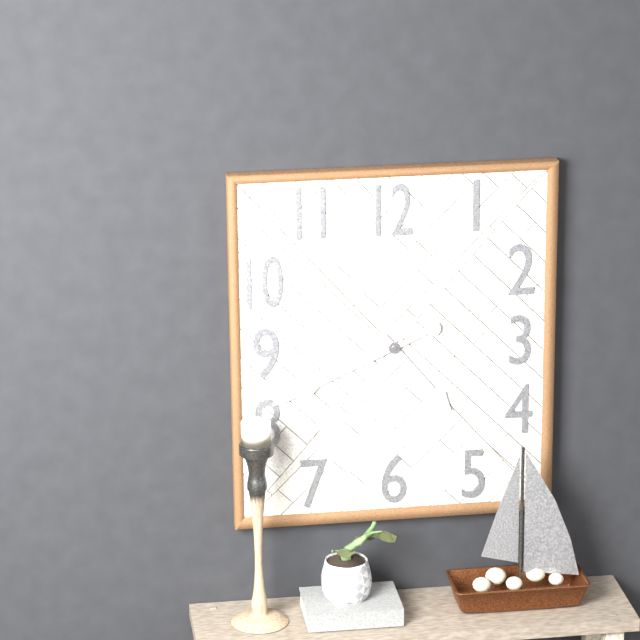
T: 4 h 41 min
